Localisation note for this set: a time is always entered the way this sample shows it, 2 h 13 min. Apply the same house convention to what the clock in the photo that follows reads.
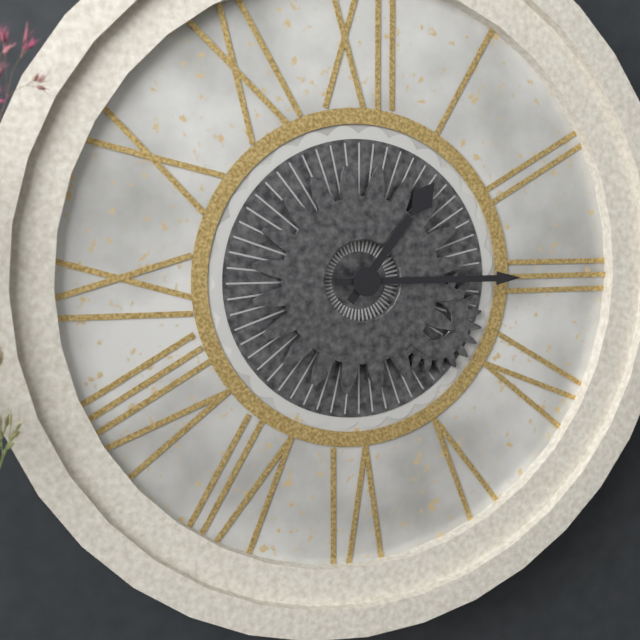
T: 1 h 15 min
